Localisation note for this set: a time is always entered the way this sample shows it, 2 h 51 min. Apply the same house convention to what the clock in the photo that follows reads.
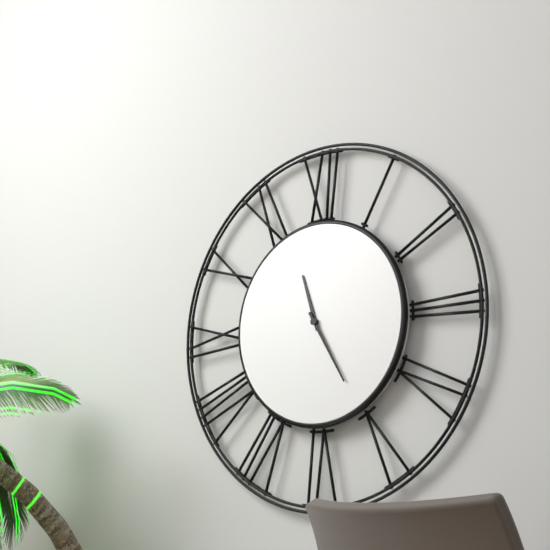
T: 11 h 25 min
